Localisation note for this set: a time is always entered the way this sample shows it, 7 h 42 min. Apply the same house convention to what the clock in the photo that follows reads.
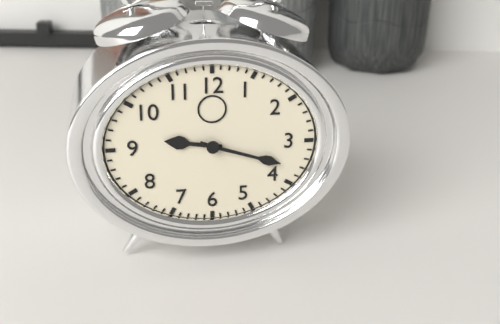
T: 9 h 18 min
